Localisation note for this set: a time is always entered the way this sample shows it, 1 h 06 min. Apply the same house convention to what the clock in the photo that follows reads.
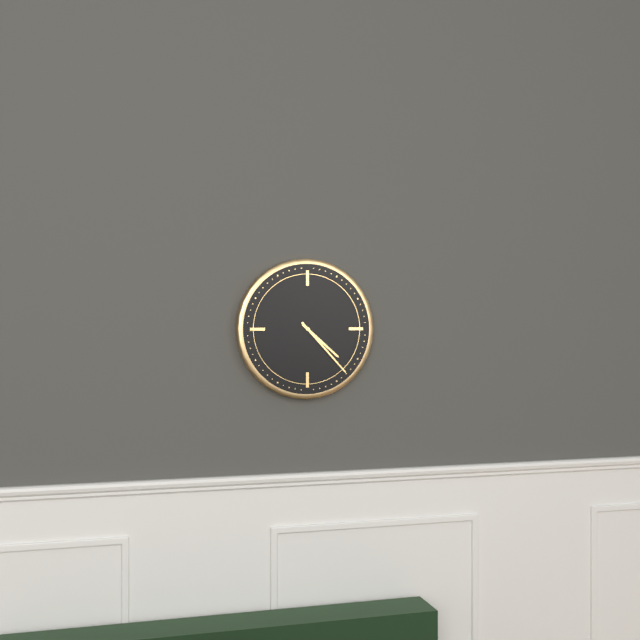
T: 4 h 23 min
